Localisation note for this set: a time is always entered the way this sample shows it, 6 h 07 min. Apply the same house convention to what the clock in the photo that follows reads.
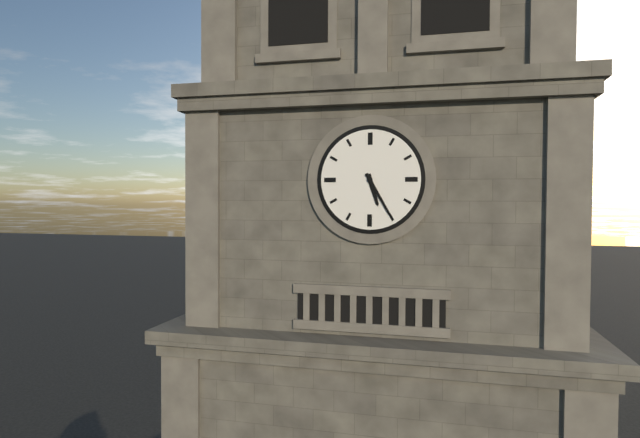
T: 5 h 25 min
